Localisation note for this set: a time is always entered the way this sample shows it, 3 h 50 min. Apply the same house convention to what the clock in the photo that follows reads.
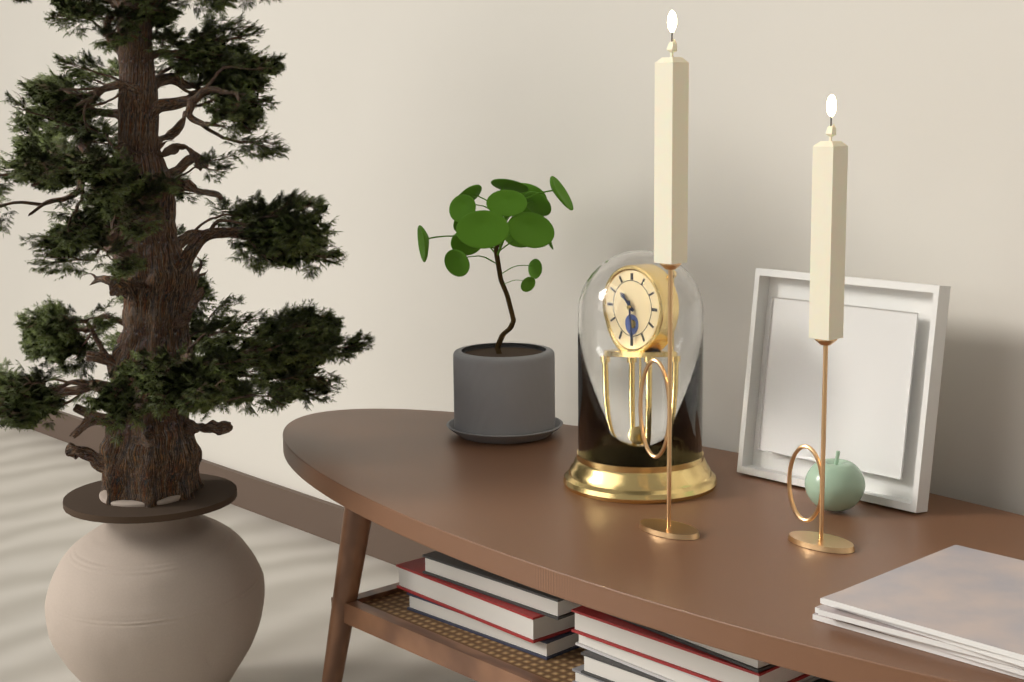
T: 10 h 29 min
